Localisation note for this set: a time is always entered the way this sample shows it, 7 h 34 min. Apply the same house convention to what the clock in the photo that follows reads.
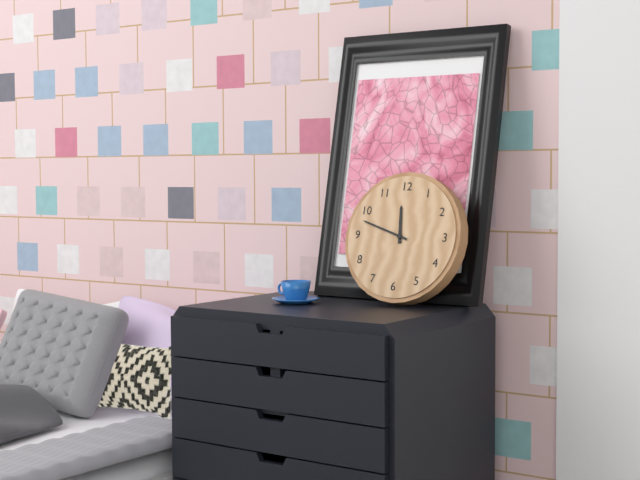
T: 11 h 48 min
